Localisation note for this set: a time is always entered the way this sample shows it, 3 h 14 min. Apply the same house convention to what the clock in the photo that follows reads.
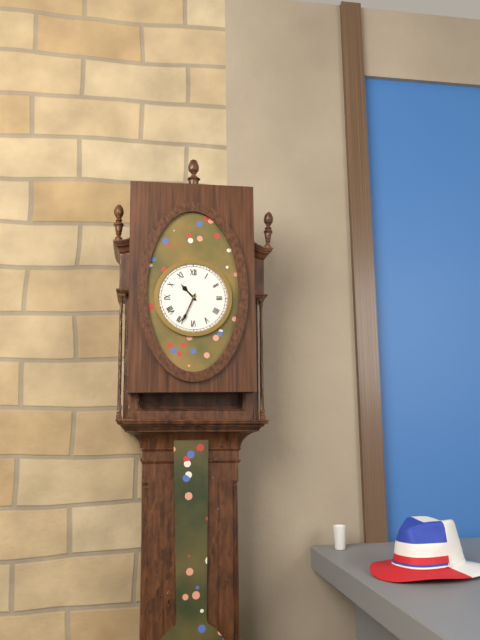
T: 10 h 34 min
